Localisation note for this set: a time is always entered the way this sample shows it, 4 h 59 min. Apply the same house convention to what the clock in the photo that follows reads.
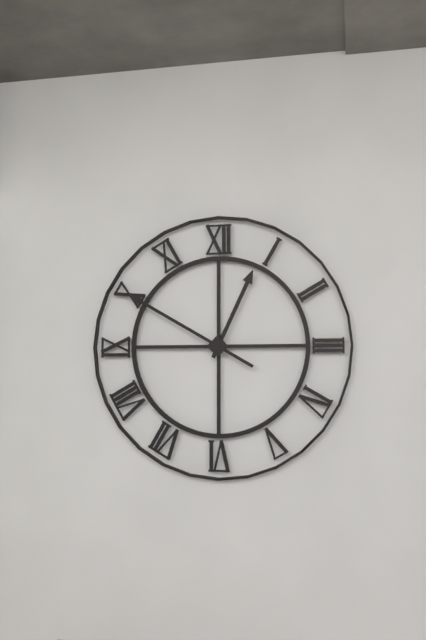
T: 12 h 50 min
